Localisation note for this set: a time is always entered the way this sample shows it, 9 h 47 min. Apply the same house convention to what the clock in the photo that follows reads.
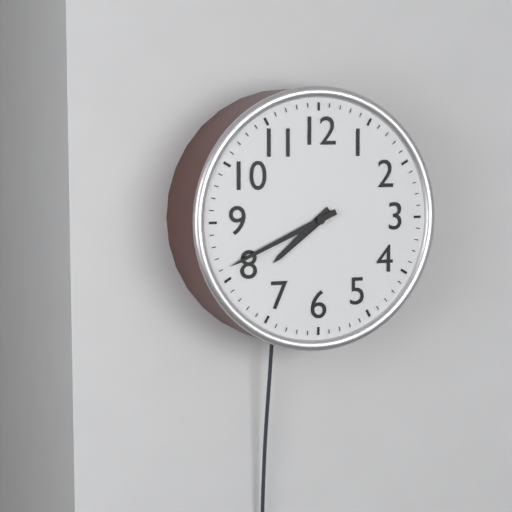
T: 7 h 41 min
